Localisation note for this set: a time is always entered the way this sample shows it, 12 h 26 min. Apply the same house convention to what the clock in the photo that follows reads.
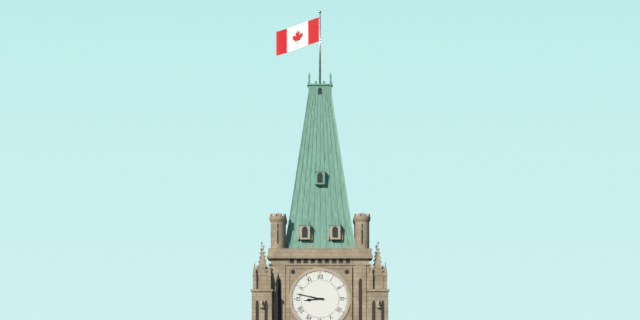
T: 8 h 47 min
